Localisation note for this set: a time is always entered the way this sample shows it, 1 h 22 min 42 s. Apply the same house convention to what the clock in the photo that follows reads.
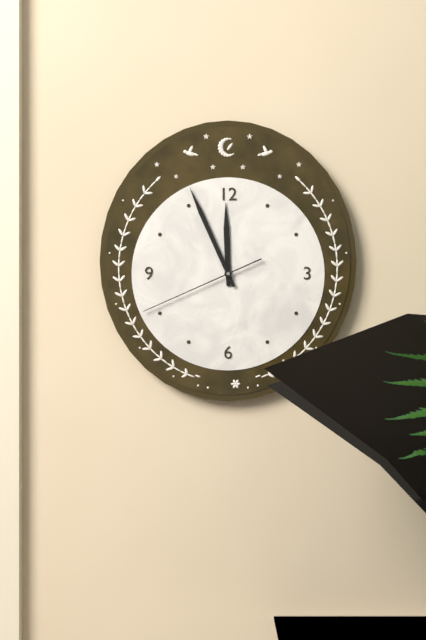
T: 11 h 56 min 41 s
